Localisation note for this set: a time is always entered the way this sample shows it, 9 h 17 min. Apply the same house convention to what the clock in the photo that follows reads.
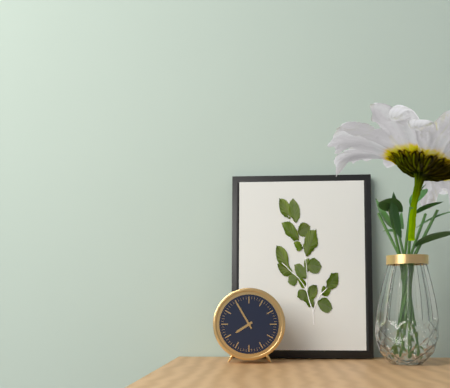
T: 7 h 55 min
